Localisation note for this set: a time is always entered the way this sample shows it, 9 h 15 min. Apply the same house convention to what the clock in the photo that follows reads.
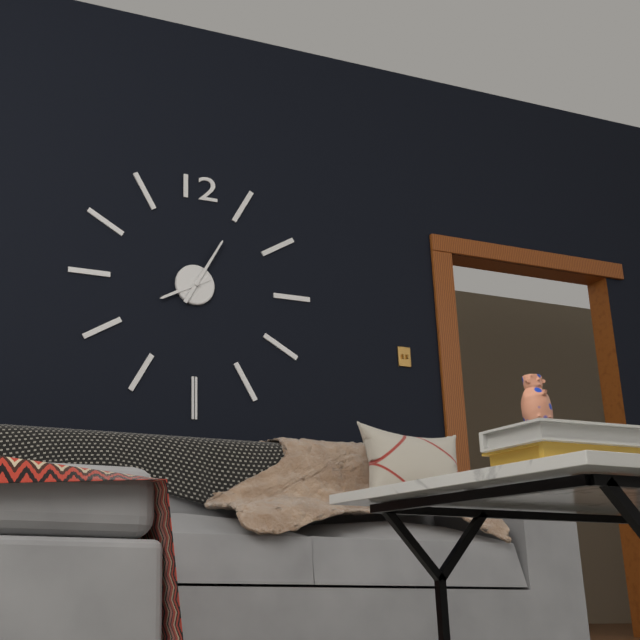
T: 8 h 05 min
